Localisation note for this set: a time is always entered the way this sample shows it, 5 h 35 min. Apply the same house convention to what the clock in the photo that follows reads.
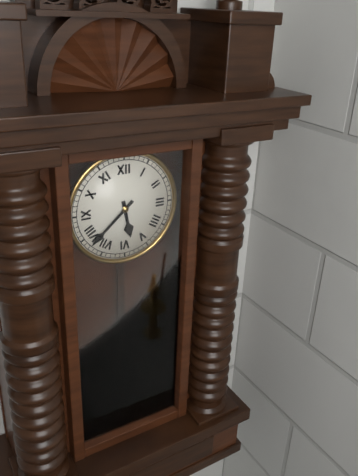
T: 5 h 38 min
